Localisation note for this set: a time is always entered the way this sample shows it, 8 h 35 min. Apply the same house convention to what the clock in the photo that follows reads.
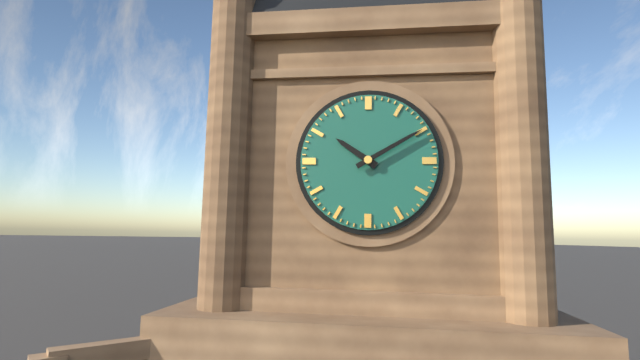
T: 10 h 10 min
